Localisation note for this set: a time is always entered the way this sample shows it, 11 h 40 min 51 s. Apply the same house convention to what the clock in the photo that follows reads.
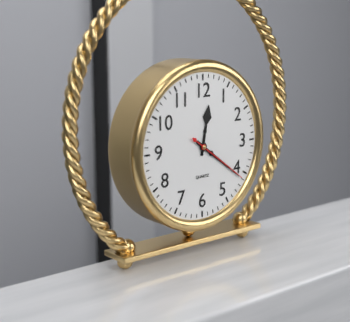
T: 12 h 21 min 21 s
